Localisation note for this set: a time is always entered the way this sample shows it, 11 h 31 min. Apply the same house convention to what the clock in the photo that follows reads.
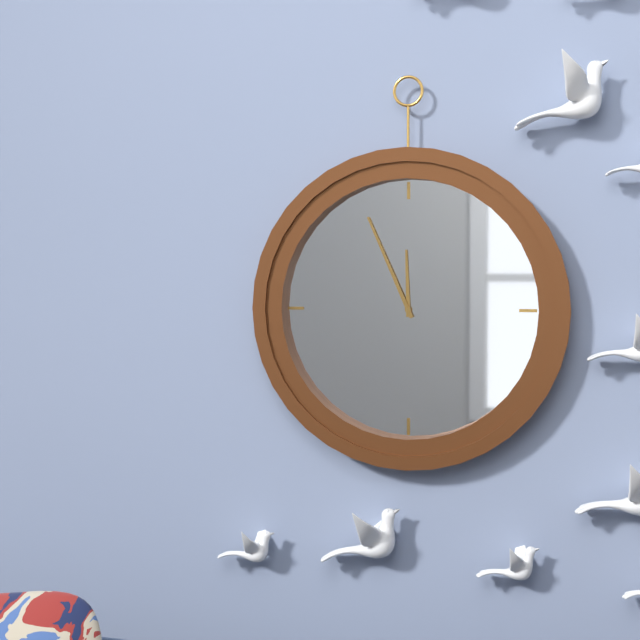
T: 11 h 56 min
